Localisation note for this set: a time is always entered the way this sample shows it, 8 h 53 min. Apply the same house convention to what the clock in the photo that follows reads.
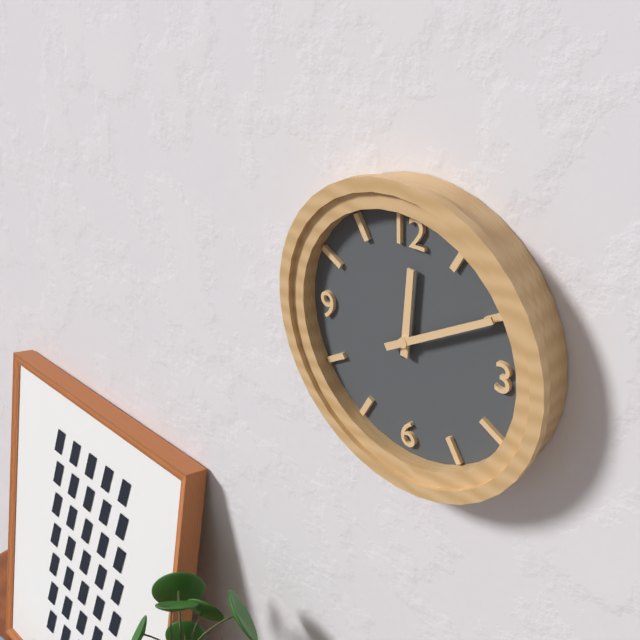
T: 12 h 10 min
